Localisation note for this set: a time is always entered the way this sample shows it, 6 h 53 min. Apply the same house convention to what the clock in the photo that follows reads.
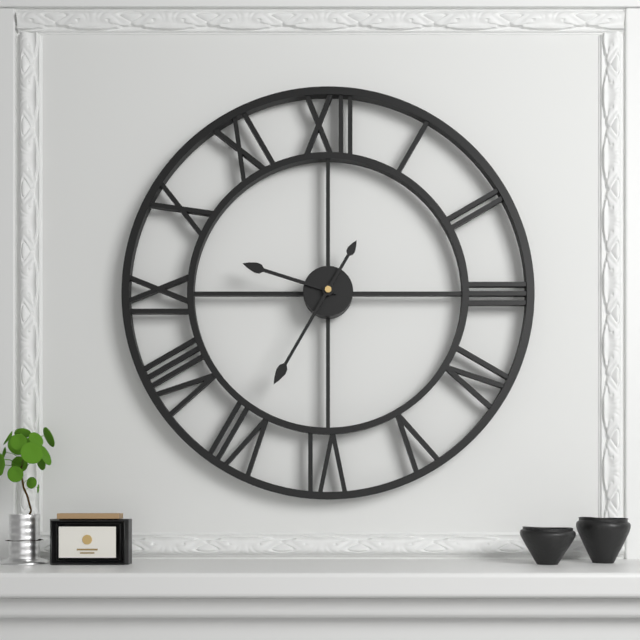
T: 9 h 35 min
